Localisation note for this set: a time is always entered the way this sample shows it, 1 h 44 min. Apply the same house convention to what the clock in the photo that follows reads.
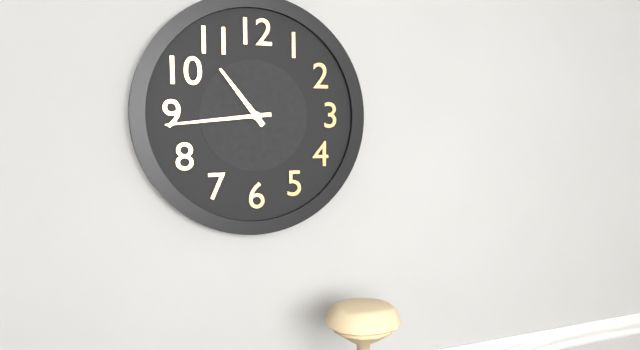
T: 10 h 44 min
